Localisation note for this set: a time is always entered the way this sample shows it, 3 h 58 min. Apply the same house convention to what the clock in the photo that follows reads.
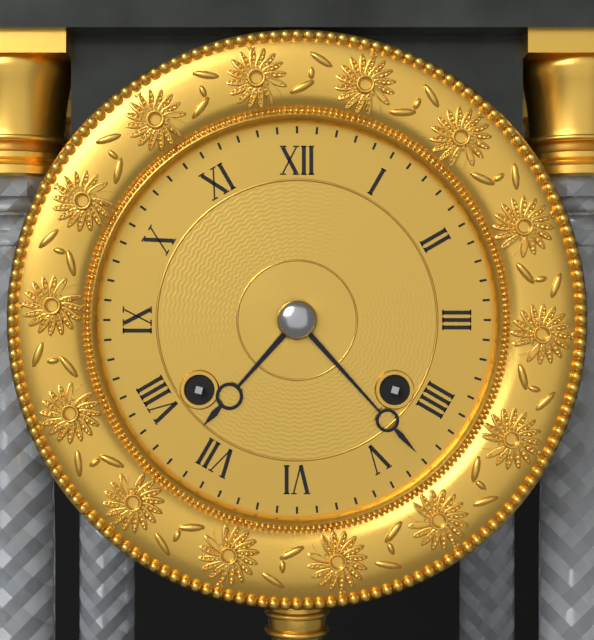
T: 7 h 23 min
